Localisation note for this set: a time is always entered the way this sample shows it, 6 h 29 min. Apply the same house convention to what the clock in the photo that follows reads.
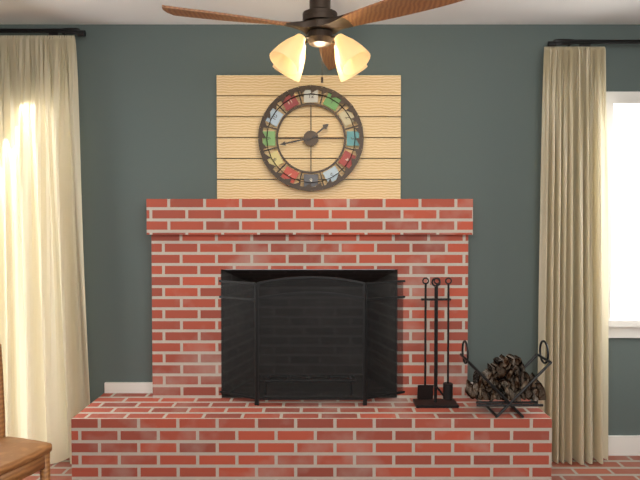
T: 1 h 43 min
